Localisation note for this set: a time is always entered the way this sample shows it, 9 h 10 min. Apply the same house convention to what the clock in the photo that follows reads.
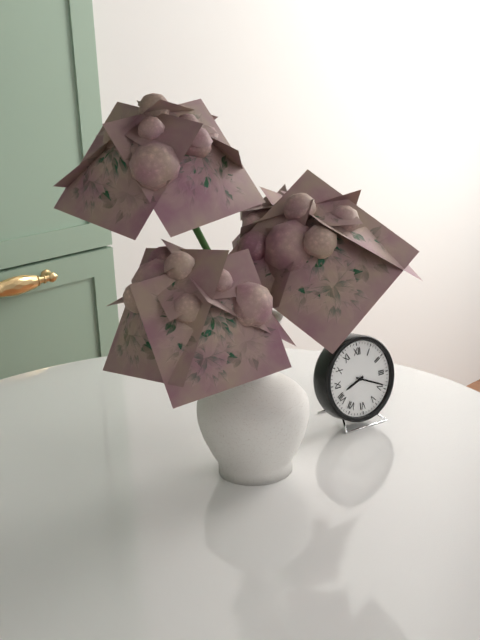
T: 8 h 19 min
